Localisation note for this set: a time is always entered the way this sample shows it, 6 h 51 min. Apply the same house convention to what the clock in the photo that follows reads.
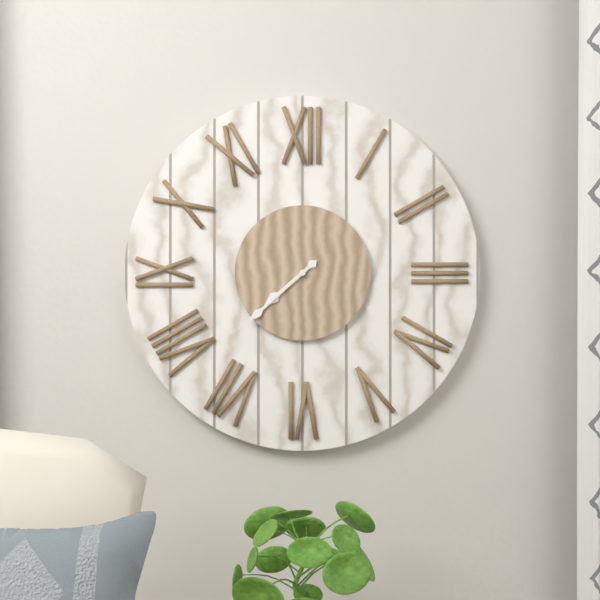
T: 7 h 38 min
